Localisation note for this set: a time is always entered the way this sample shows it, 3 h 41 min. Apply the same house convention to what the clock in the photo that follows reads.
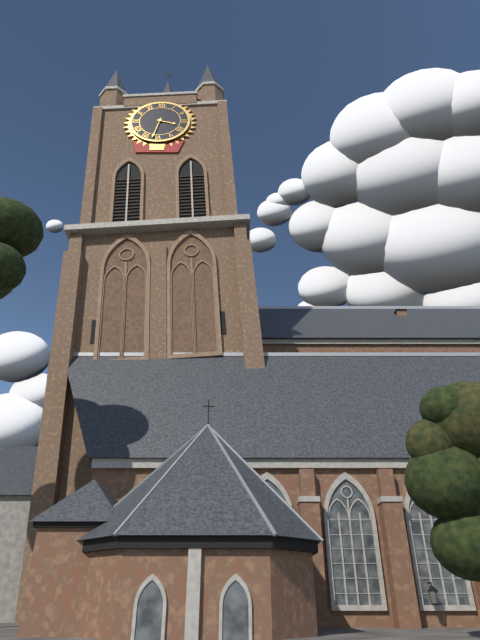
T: 3 h 32 min
